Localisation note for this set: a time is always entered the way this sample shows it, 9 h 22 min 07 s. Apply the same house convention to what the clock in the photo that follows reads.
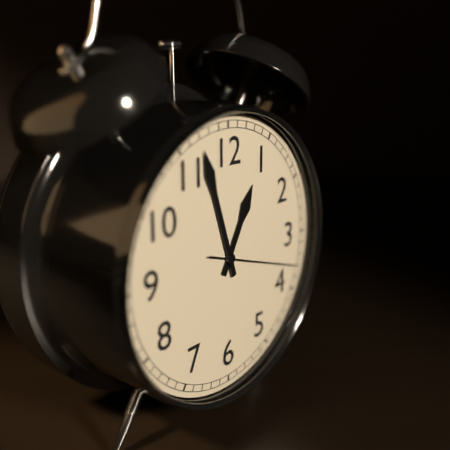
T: 12 h 57 min 18 s
